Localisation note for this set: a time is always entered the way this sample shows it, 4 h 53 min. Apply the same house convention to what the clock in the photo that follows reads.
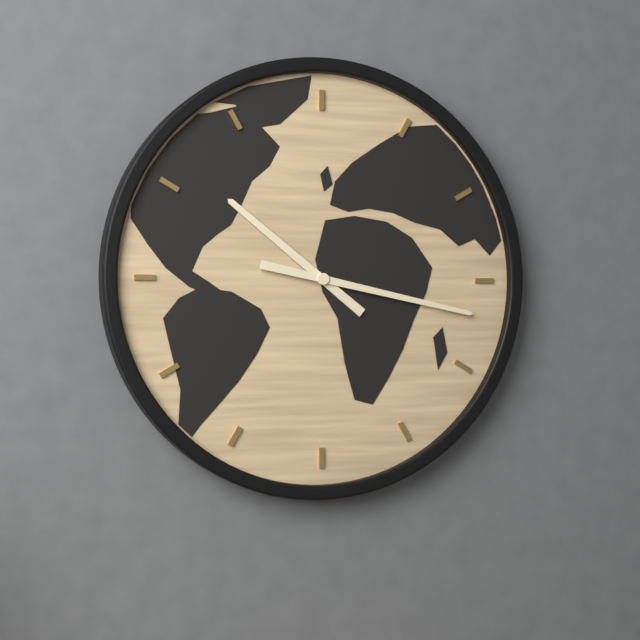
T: 10 h 17 min
